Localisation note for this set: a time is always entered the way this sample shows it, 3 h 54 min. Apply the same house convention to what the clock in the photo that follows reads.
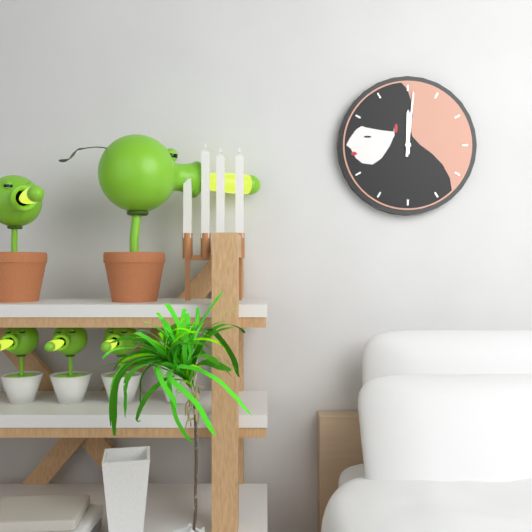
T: 12 h 01 min
